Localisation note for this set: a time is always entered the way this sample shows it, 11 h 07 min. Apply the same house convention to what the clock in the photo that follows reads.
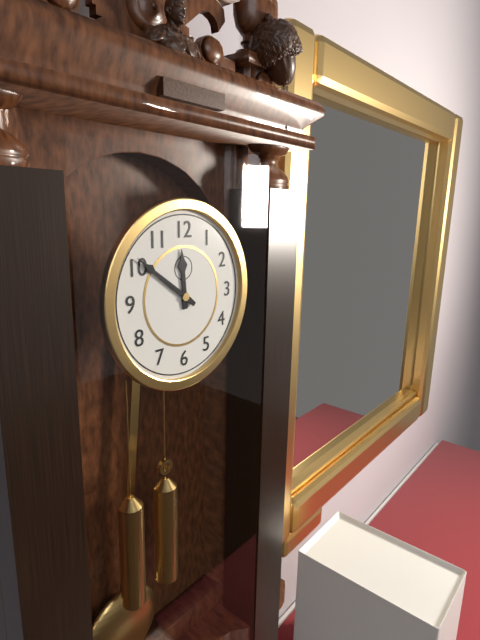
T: 11 h 51 min
